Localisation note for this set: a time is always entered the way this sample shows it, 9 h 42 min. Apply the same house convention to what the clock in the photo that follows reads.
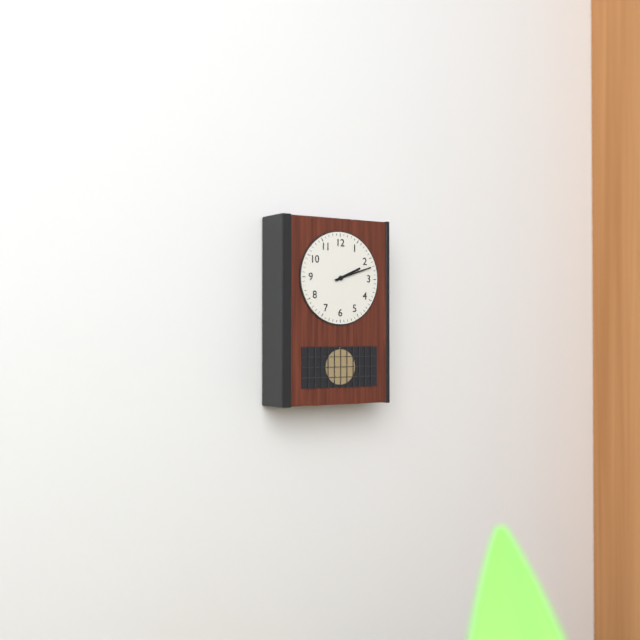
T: 2 h 12 min
